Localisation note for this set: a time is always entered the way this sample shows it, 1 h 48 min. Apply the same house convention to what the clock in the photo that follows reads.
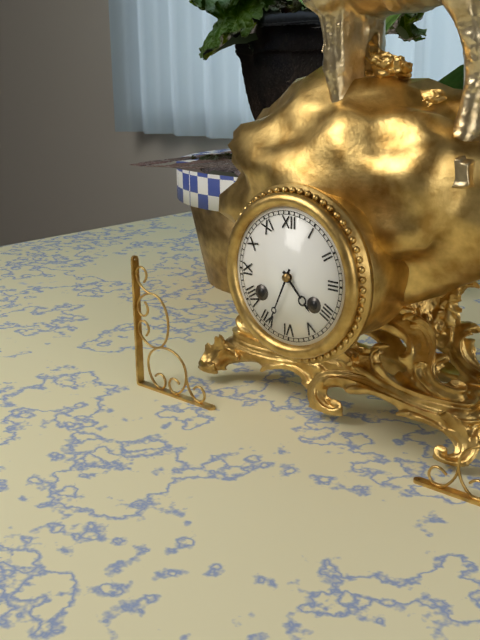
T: 4 h 34 min
